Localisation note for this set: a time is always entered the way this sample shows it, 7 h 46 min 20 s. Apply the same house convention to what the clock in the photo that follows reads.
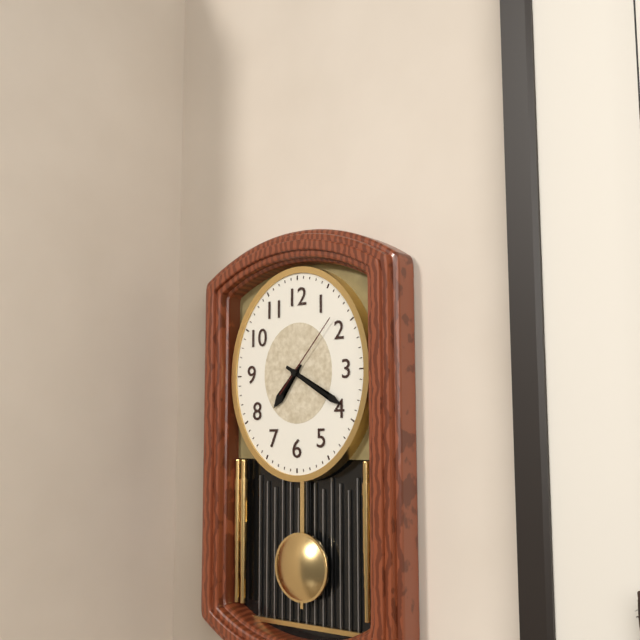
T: 7 h 20 min 07 s
